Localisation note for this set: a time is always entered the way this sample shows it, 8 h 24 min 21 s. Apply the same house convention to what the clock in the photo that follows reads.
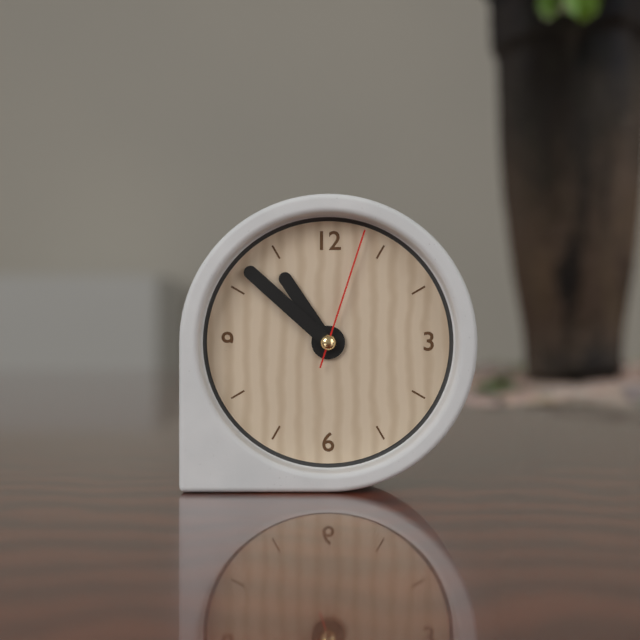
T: 10 h 52 min 03 s
